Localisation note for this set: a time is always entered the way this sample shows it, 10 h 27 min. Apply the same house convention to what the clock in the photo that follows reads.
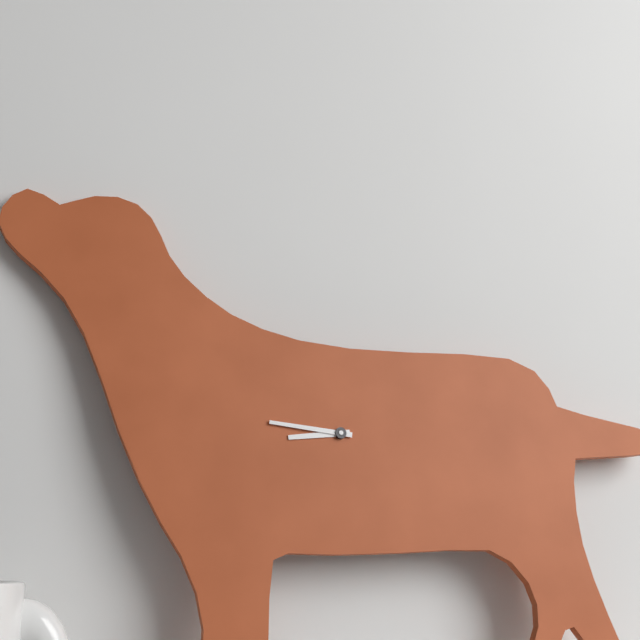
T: 8 h 46 min
